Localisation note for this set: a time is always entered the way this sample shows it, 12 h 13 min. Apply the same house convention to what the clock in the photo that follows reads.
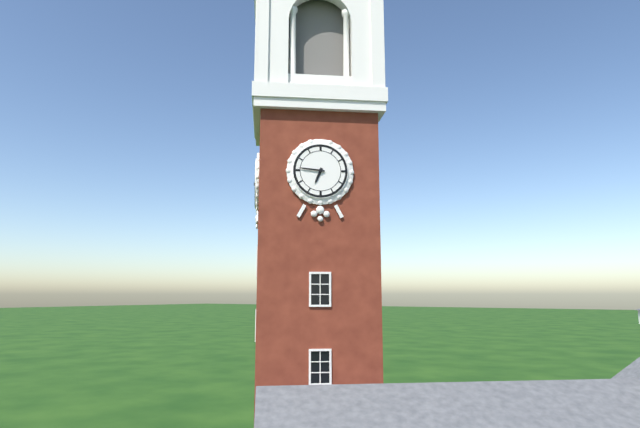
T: 6 h 46 min
